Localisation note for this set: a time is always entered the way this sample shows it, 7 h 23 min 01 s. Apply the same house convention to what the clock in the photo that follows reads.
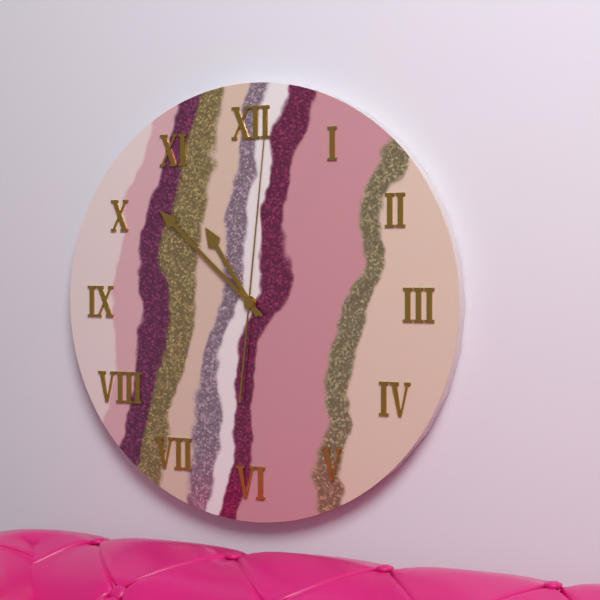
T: 10 h 52 min 01 s
